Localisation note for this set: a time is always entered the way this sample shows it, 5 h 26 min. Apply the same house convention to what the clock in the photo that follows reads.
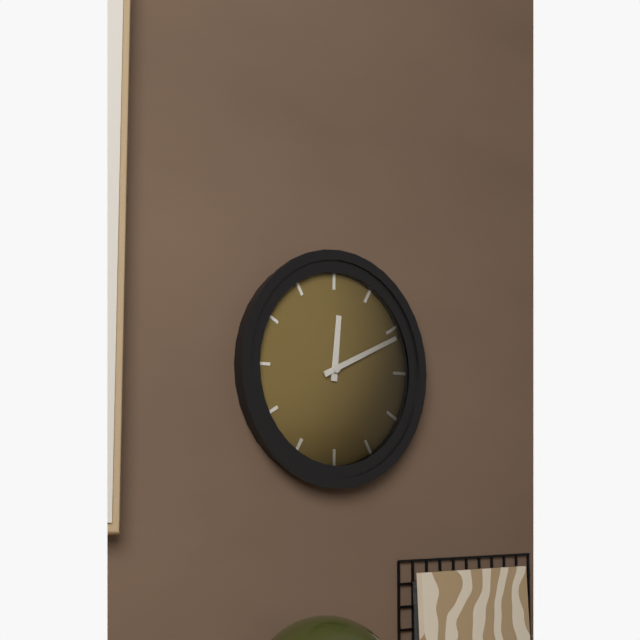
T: 12 h 11 min
